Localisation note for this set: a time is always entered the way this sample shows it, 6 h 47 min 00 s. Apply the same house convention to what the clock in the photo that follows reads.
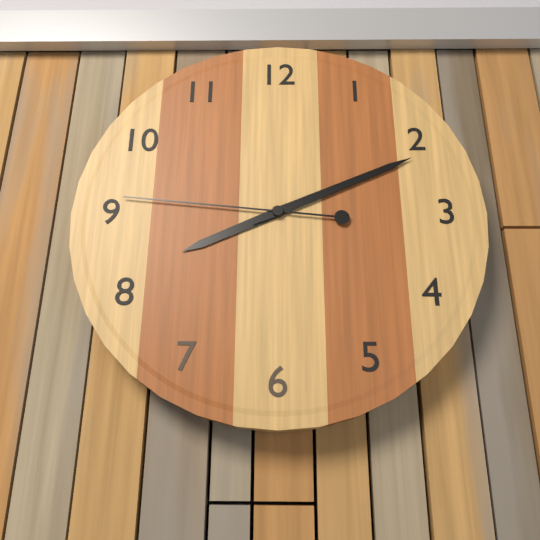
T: 8 h 11 min 46 s
